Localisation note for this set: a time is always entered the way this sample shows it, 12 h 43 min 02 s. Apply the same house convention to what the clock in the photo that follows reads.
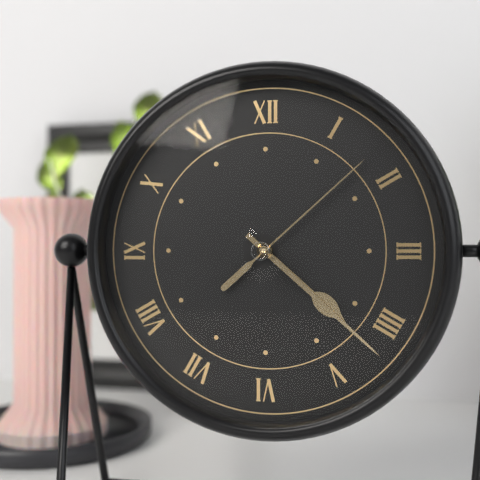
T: 4 h 22 min 08 s
